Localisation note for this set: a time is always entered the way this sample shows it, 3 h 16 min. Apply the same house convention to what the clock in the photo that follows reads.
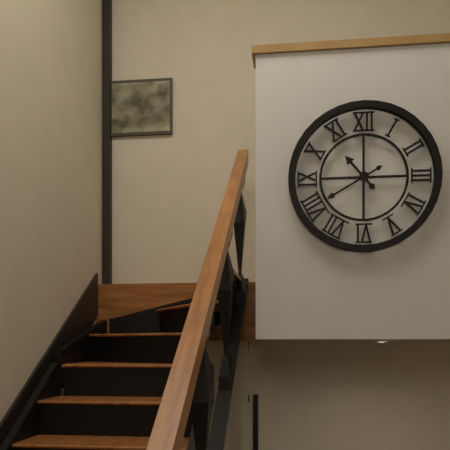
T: 10 h 40 min
